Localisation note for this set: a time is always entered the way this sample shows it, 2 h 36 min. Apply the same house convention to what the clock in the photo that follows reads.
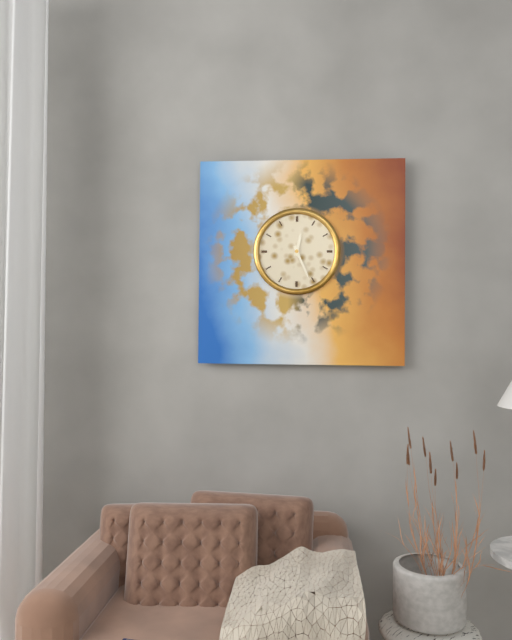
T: 12 h 26 min
